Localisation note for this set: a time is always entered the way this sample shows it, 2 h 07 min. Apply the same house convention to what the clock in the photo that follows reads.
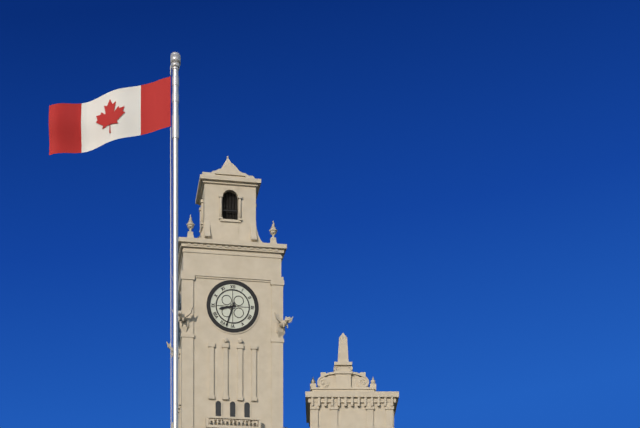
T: 8 h 33 min
